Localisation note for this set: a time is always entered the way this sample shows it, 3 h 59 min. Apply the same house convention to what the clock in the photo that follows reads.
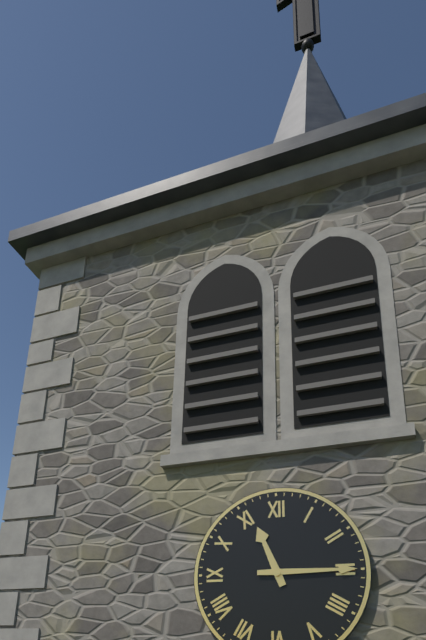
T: 11 h 15 min
